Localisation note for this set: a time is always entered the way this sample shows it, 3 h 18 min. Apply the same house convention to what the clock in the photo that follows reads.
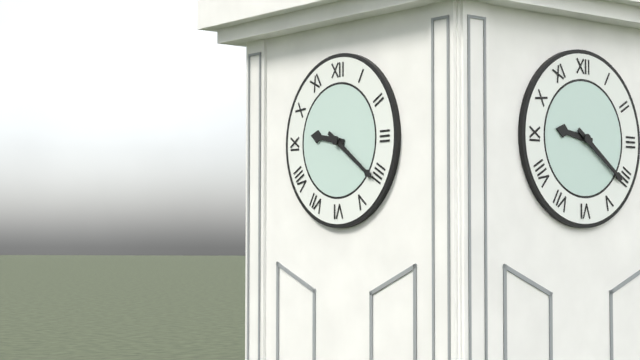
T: 9 h 21 min
